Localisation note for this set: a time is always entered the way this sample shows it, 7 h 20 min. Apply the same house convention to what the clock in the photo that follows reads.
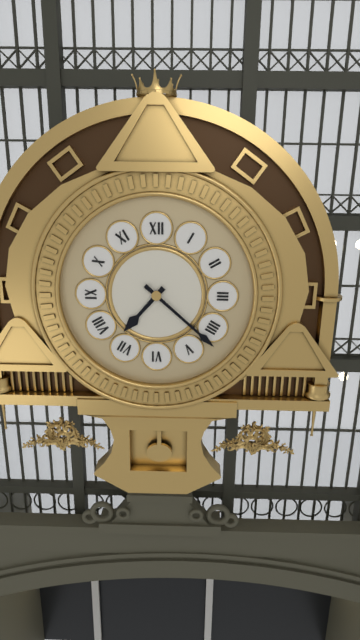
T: 7 h 22 min
